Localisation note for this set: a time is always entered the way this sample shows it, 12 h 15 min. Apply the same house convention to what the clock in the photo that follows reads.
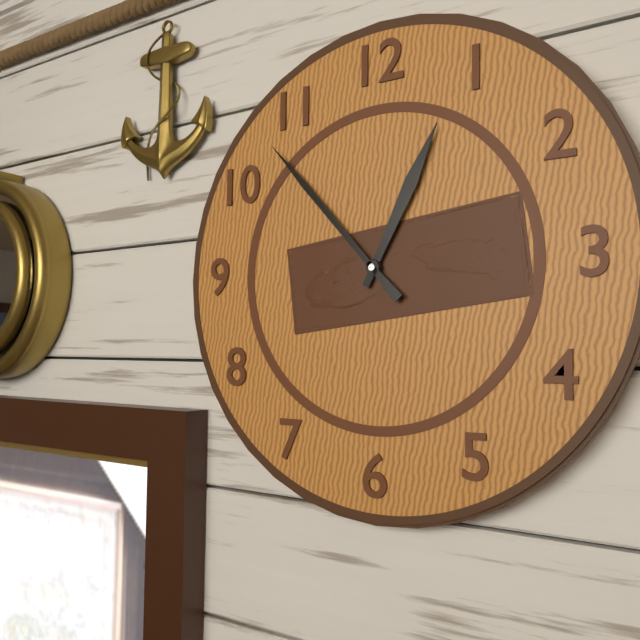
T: 12 h 53 min
